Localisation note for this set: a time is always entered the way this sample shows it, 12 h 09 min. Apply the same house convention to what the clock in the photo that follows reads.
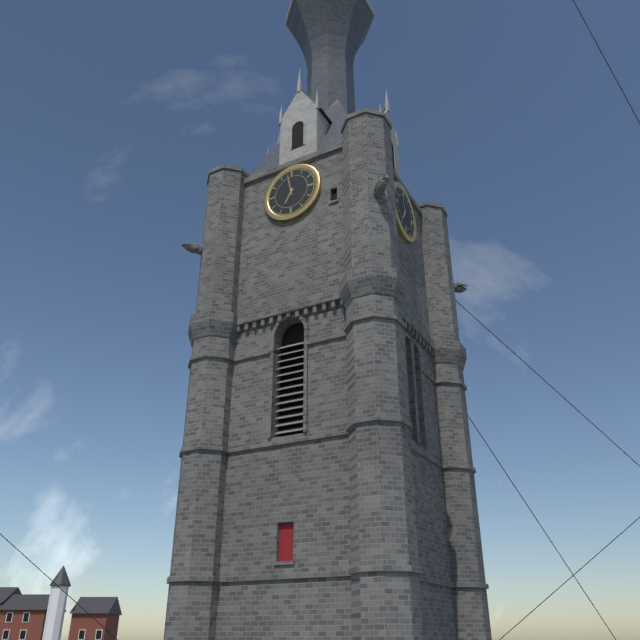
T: 6 h 58 min
